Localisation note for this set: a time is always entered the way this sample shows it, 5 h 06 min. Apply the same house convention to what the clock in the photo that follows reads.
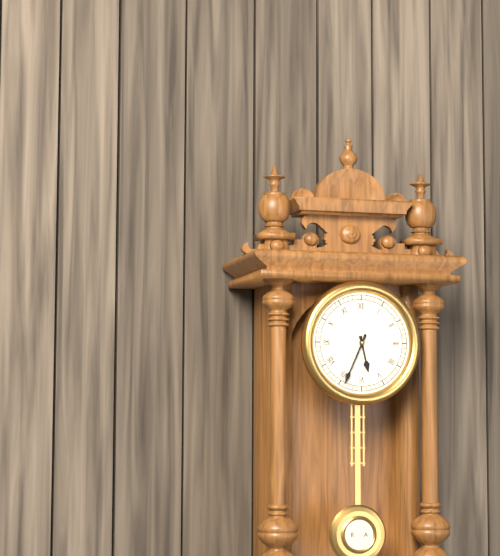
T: 5 h 34 min
